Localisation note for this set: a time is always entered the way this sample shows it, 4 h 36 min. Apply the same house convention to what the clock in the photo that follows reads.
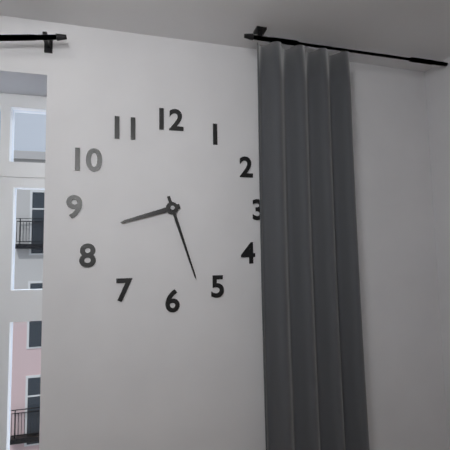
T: 8 h 27 min
